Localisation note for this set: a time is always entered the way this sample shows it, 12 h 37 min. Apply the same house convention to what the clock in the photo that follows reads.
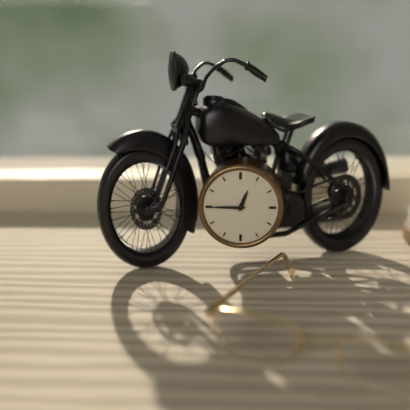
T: 12 h 45 min
